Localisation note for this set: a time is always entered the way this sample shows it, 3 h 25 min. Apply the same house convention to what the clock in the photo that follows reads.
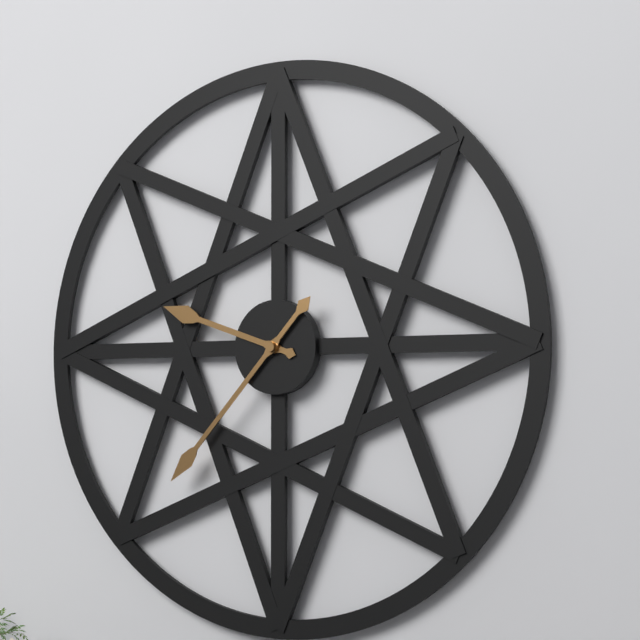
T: 9 h 37 min
